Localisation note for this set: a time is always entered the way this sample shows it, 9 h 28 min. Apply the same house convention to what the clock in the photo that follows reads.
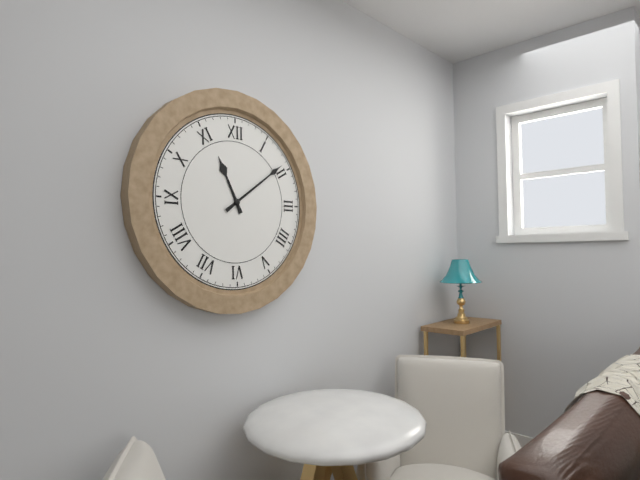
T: 11 h 09 min
